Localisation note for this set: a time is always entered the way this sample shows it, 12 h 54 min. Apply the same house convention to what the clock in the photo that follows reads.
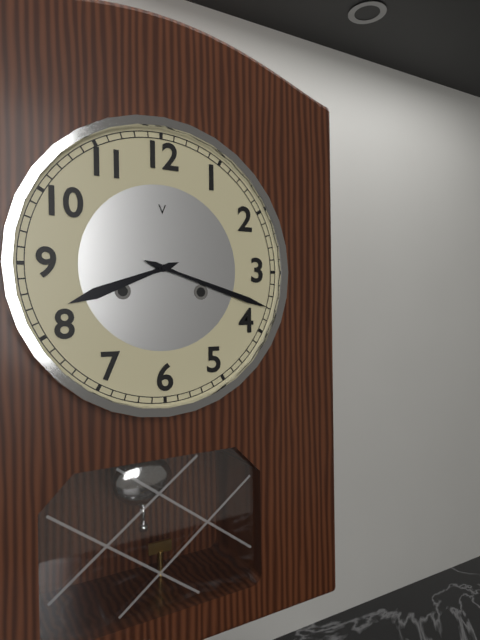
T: 8 h 18 min
